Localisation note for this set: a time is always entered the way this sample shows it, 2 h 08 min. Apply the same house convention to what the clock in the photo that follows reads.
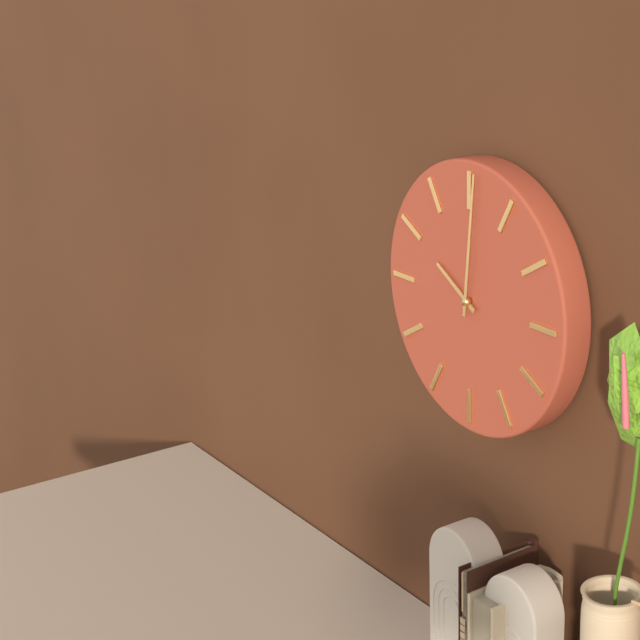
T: 10 h 01 min
